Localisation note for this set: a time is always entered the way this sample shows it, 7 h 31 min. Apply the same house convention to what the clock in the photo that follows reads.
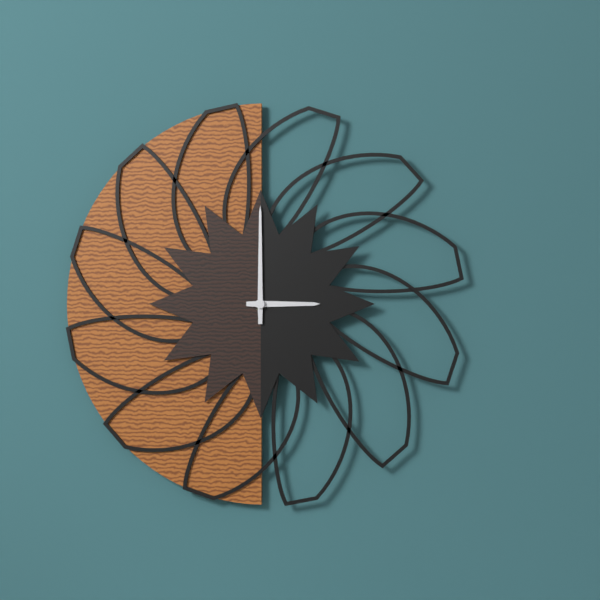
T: 3 h 00 min
